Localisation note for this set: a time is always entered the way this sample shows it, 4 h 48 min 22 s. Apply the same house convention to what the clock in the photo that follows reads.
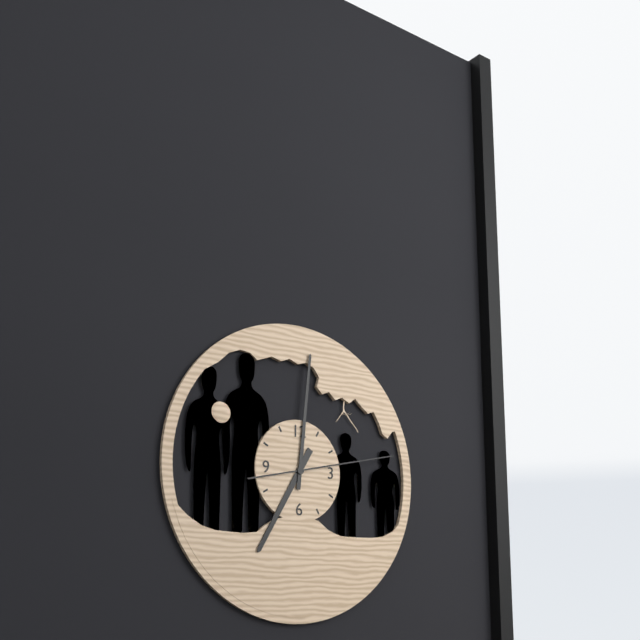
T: 7 h 01 min 13 s
